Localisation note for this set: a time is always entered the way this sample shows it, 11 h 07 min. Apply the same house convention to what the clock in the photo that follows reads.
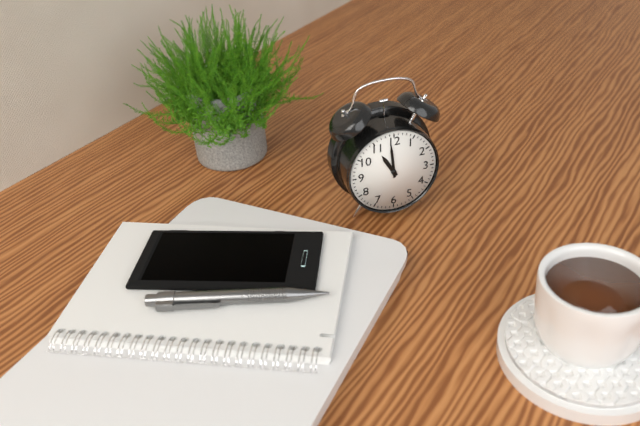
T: 10 h 59 min
